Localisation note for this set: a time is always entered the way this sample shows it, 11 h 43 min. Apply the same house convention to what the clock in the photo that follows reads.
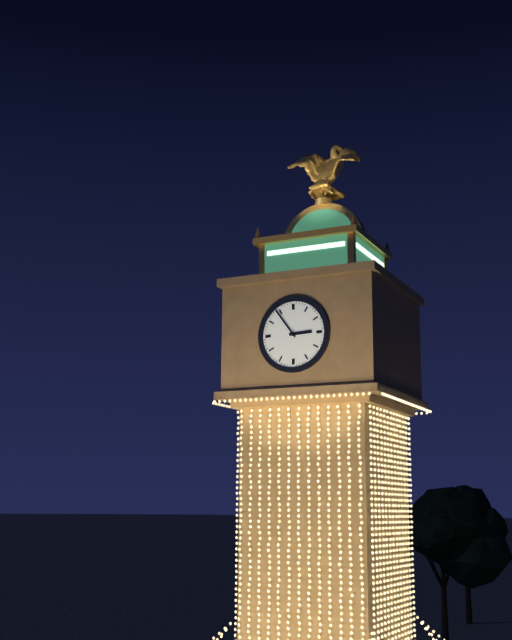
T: 2 h 54 min
